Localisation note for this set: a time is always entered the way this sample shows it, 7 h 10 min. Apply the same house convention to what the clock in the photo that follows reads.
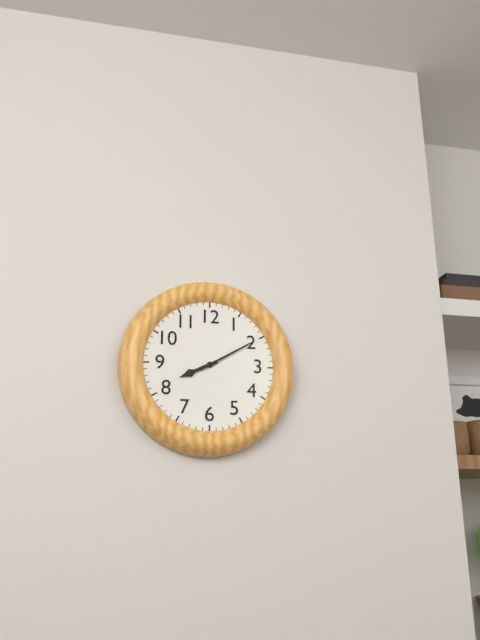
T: 8 h 10 min
